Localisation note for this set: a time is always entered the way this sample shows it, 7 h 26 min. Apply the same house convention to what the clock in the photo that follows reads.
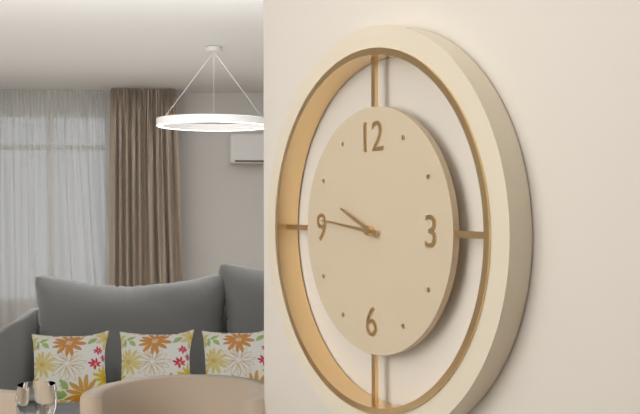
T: 9 h 46 min
